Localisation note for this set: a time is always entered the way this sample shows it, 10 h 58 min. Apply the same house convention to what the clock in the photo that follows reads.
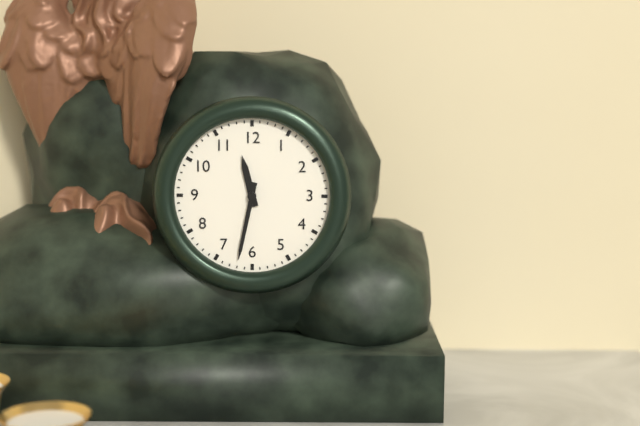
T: 11 h 32 min
